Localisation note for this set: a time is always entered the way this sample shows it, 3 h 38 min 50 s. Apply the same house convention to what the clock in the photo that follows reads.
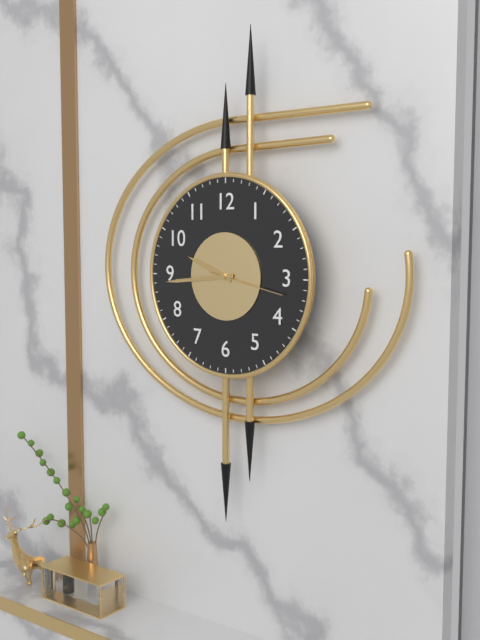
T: 9 h 44 min 17 s
